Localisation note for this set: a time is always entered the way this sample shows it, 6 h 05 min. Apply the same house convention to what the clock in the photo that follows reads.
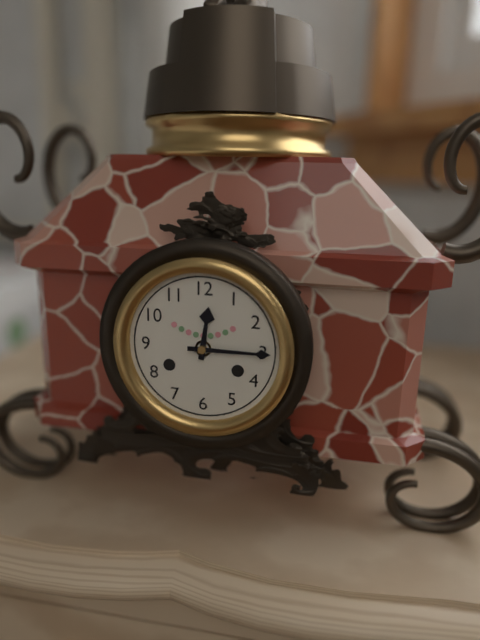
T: 12 h 15 min
